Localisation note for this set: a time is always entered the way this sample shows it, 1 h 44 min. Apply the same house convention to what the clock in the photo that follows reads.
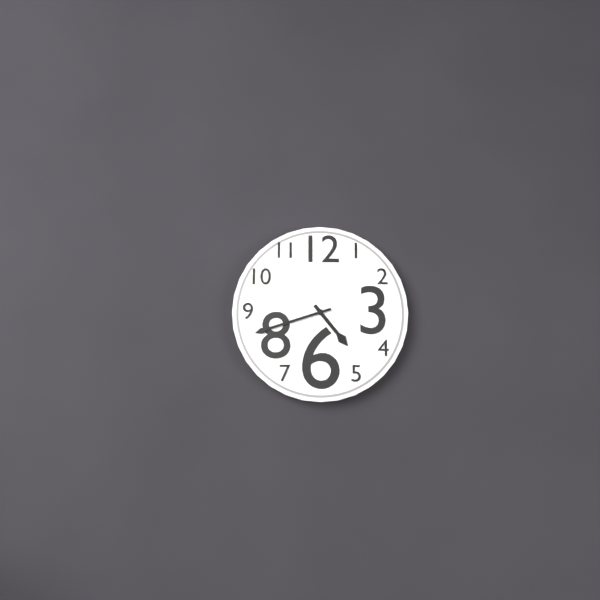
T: 4 h 42 min
